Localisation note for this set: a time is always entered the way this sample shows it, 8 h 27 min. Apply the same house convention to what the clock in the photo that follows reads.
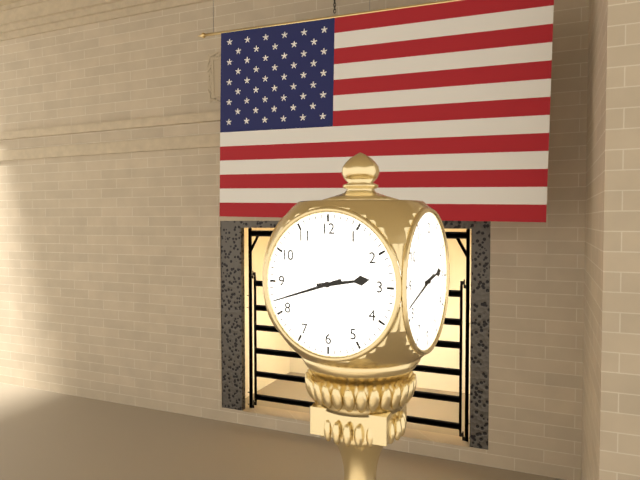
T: 2 h 42 min
